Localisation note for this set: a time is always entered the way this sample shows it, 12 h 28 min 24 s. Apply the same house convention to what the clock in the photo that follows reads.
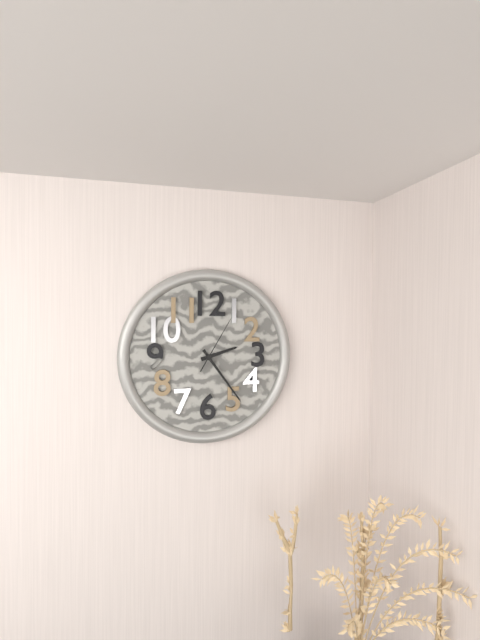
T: 2 h 24 min 05 s
